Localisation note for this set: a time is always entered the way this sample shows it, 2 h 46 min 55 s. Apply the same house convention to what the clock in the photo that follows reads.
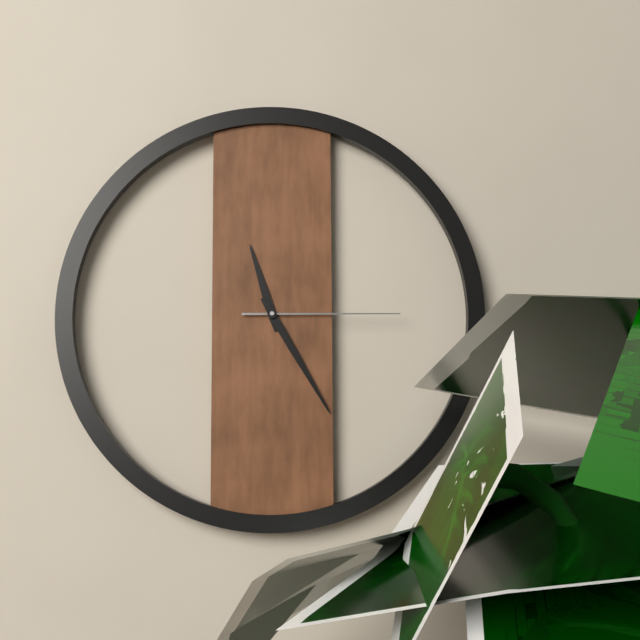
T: 11 h 25 min 15 s
